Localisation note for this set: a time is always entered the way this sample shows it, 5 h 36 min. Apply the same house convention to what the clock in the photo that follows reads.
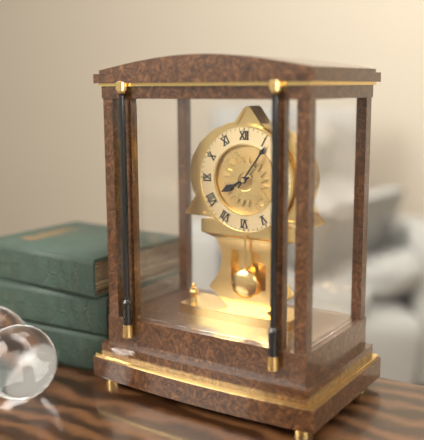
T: 8 h 06 min
